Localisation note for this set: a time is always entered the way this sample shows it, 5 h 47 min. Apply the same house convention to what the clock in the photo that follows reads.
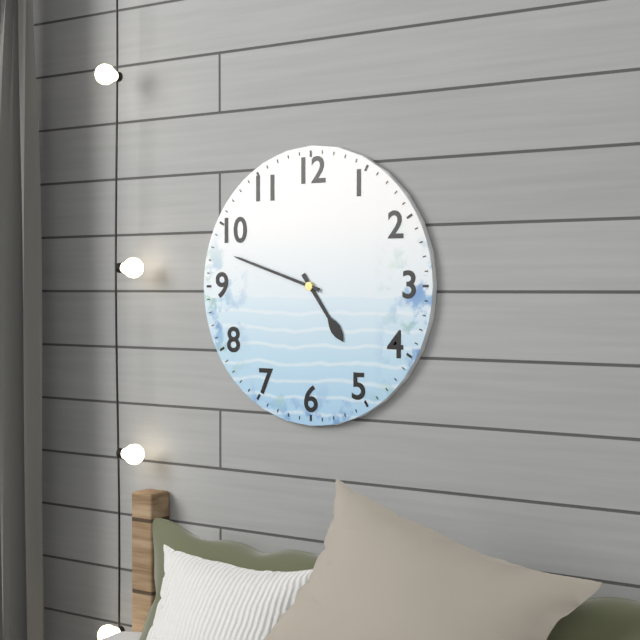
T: 4 h 48 min
